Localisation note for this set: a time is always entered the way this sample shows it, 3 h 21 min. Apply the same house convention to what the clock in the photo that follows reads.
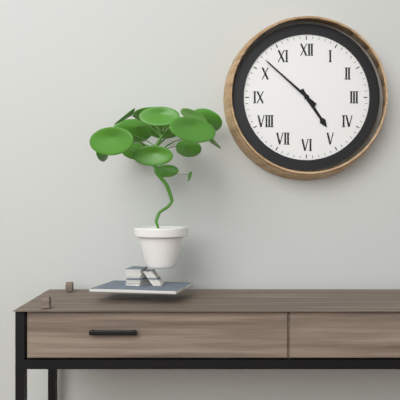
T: 4 h 52 min
